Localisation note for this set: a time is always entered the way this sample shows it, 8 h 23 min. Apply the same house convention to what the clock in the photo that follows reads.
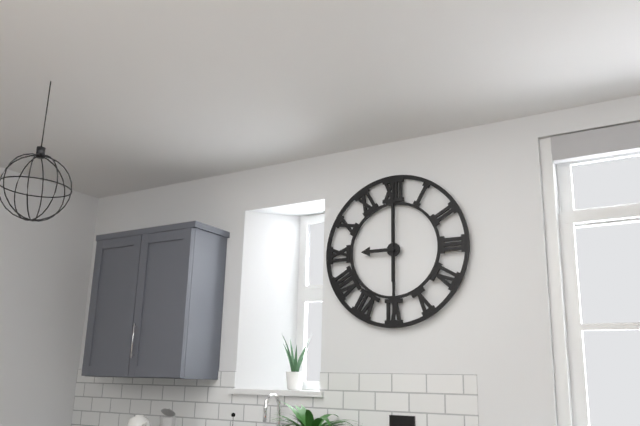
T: 9 h 00 min
